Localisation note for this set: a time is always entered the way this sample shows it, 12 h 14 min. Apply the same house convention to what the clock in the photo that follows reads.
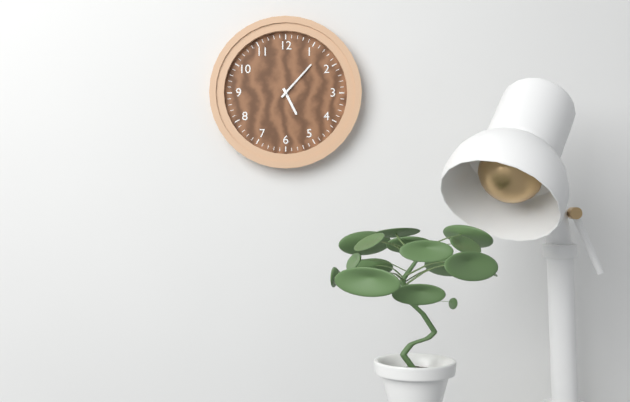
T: 5 h 07 min
